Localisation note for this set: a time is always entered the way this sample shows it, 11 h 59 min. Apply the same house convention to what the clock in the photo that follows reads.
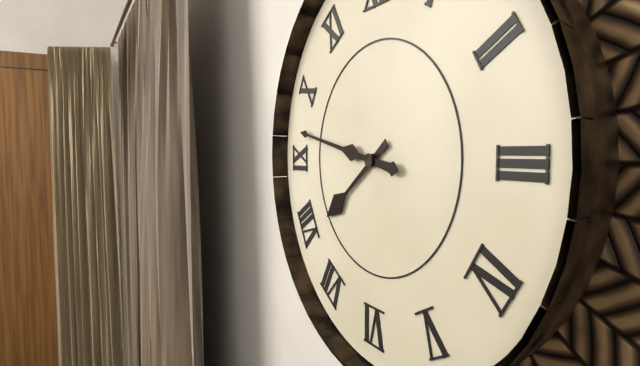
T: 7 h 47 min
